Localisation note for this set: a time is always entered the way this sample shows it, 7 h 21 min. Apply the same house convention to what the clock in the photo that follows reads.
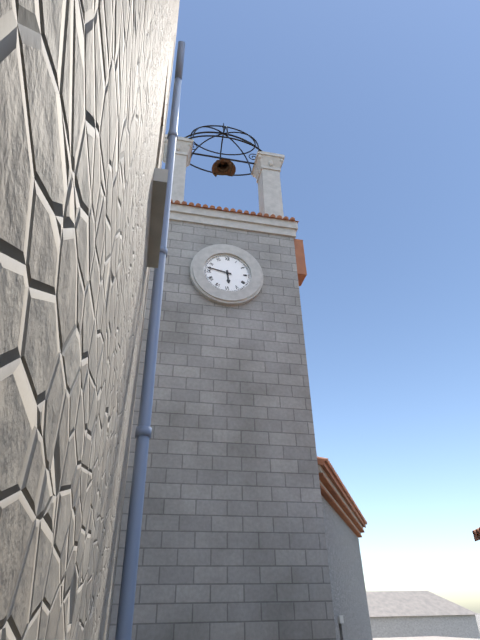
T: 5 h 47 min
